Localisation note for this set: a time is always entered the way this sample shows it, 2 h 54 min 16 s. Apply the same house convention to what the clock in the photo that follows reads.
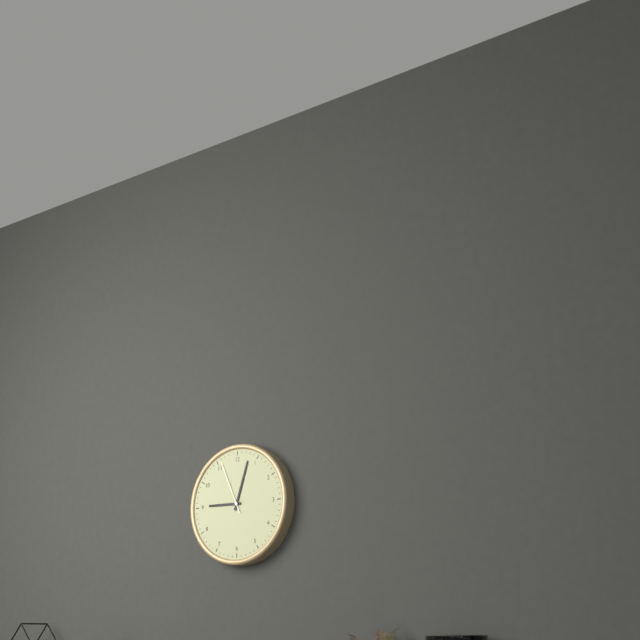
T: 9 h 03 min 56 s
